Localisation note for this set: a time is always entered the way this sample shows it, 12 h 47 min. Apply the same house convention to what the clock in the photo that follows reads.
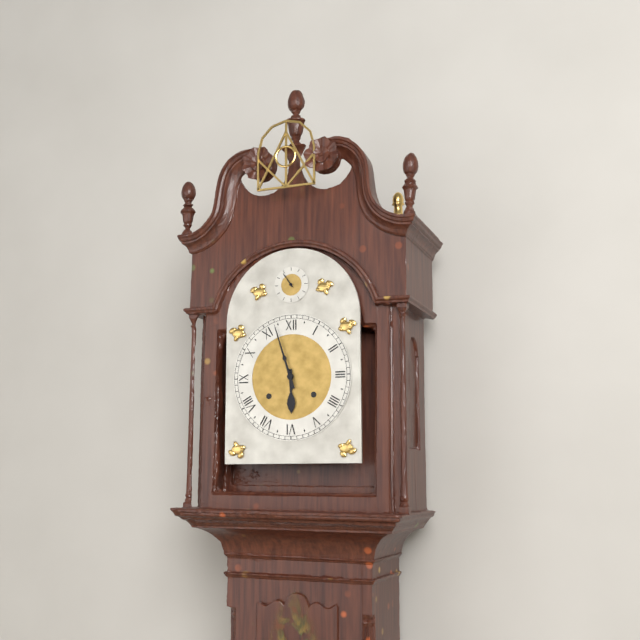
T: 5 h 57 min
